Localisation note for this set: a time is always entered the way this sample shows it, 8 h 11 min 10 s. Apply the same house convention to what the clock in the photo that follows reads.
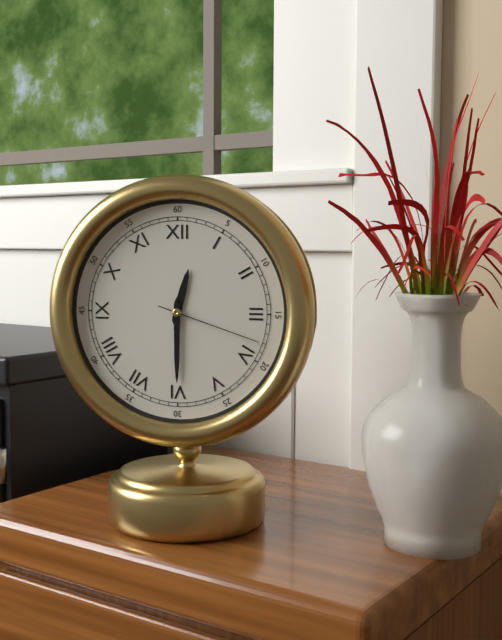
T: 12 h 30 min 18 s
